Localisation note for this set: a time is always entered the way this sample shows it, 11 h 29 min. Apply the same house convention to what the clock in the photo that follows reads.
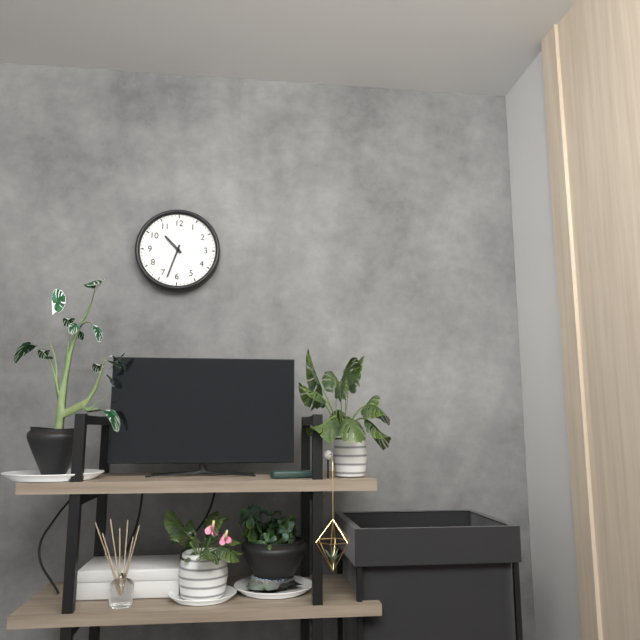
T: 10 h 33 min
